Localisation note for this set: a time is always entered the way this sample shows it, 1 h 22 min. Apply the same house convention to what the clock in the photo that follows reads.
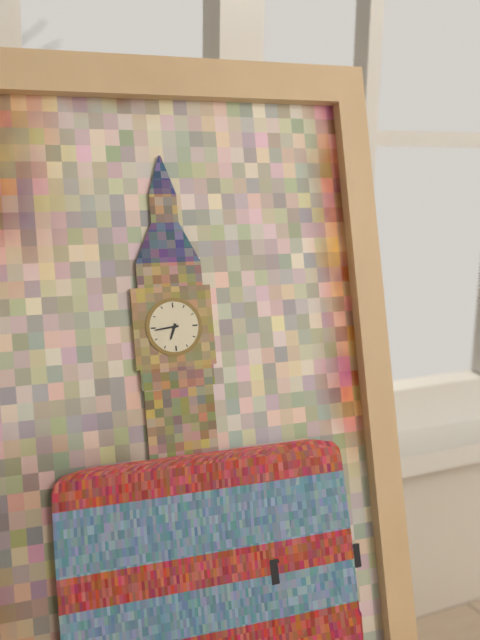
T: 6 h 44 min
